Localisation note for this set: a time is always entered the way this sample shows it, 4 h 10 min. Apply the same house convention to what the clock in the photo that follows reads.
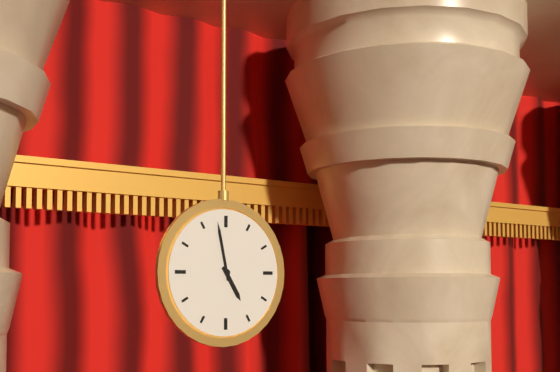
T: 4 h 58 min
